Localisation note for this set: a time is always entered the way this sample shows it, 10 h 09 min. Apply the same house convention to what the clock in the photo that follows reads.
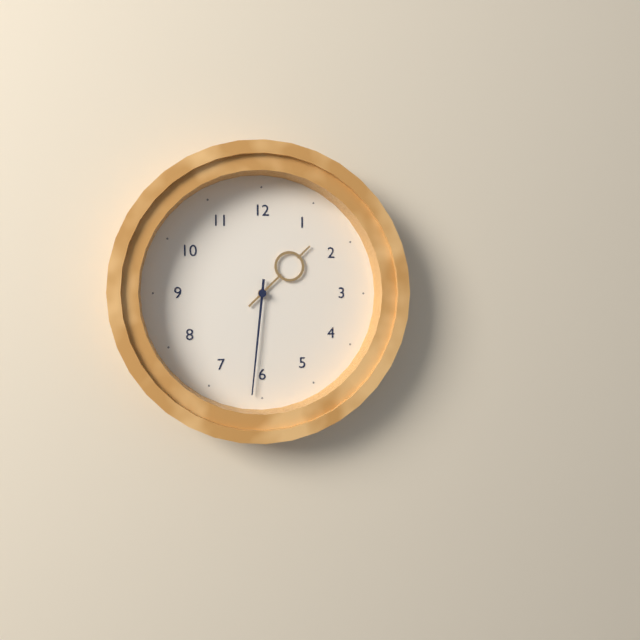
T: 1 h 31 min
